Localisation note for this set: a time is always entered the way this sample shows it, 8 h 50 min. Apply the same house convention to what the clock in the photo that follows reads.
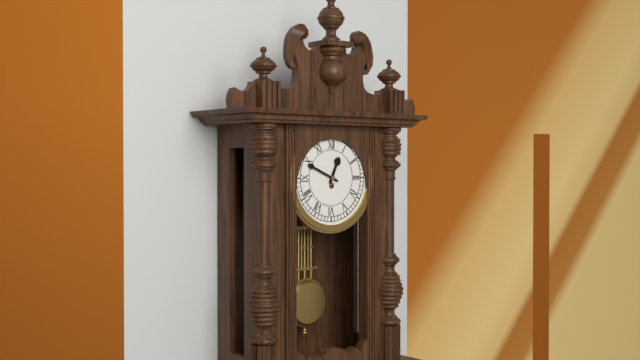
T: 12 h 49 min
